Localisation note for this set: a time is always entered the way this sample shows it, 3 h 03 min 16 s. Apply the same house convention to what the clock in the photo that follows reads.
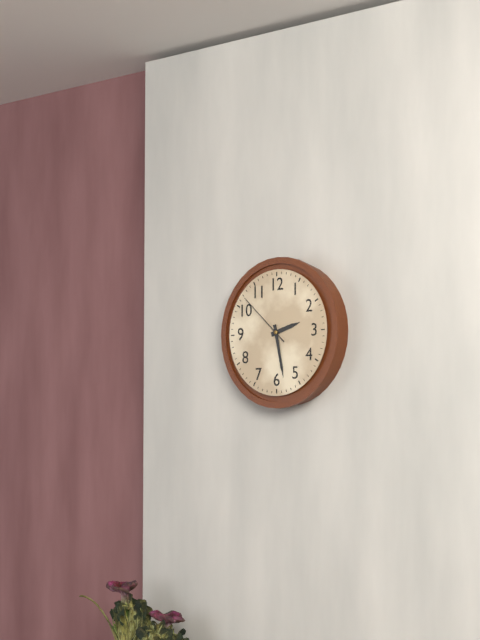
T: 2 h 28 min 52 s
